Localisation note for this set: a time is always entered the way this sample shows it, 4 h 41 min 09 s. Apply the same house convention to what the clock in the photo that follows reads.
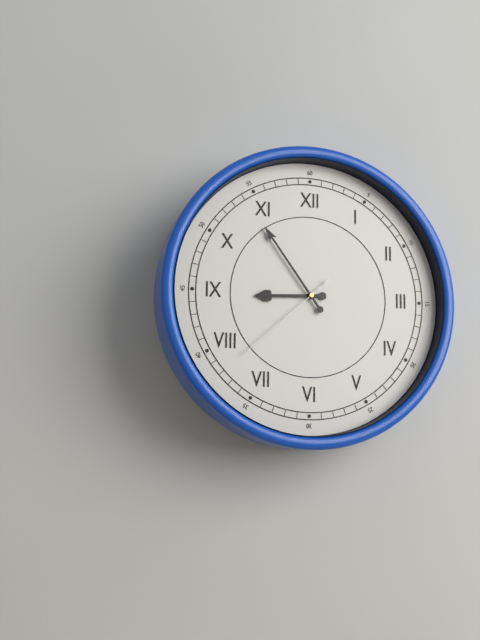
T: 8 h 54 min 38 s
